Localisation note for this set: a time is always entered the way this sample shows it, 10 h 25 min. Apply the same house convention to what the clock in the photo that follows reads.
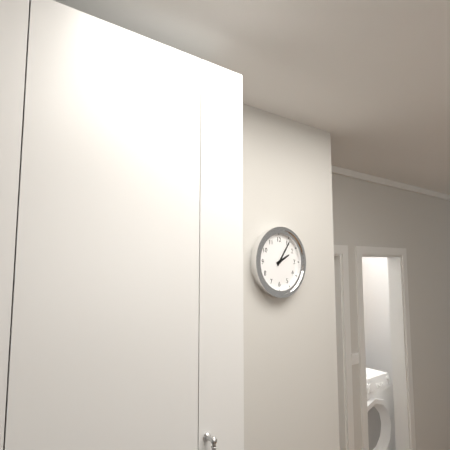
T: 2 h 06 min
